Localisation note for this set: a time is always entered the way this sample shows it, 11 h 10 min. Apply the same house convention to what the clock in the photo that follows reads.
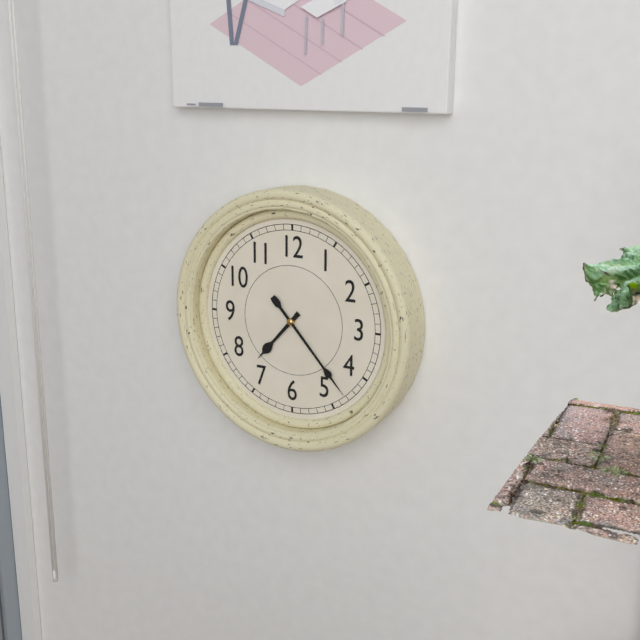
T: 7 h 23 min
